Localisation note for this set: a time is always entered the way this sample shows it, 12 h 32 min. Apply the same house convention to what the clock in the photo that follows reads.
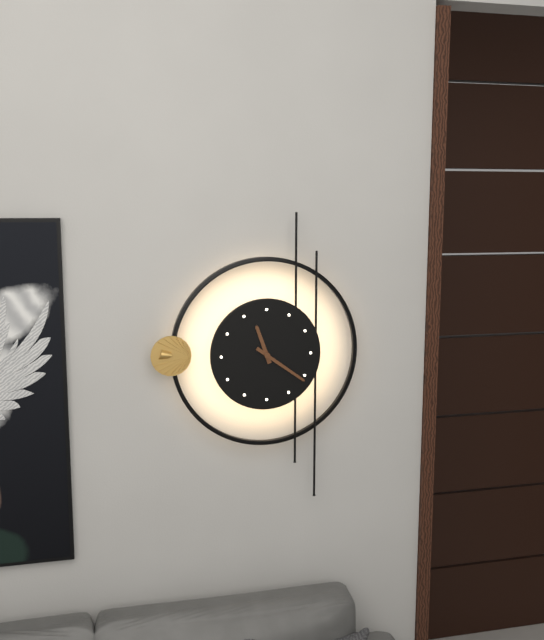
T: 11 h 21 min
